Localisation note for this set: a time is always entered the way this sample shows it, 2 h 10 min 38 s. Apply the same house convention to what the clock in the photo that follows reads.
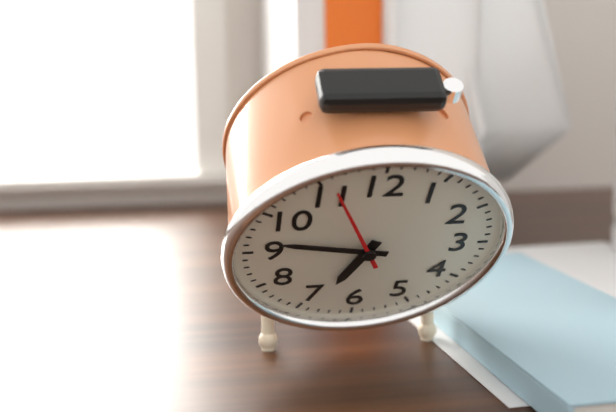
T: 6 h 47 min 56 s
